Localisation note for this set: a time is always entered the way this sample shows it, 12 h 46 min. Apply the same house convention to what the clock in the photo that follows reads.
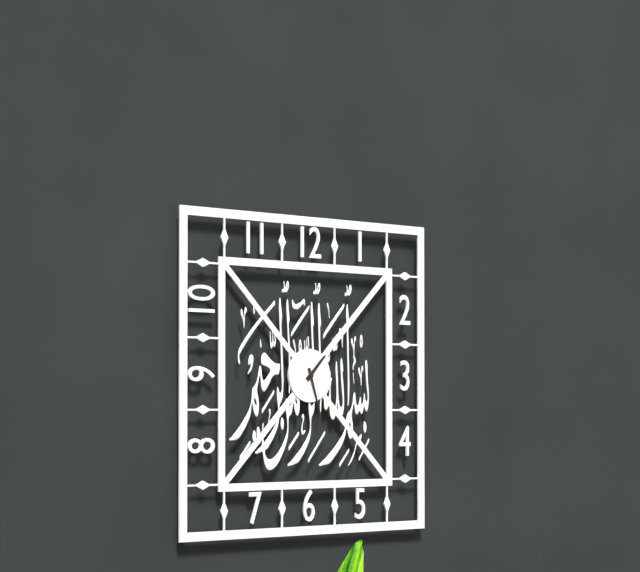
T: 1 h 27 min
